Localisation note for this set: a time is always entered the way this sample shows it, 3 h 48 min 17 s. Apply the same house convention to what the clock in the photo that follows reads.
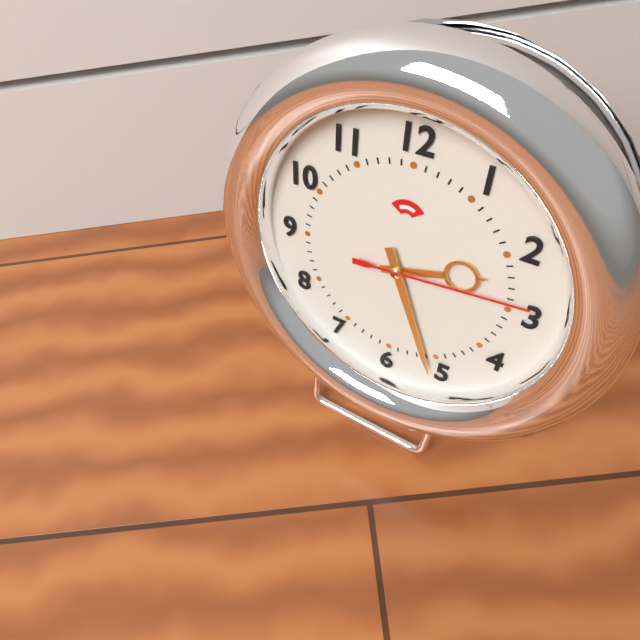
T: 2 h 26 min 14 s
